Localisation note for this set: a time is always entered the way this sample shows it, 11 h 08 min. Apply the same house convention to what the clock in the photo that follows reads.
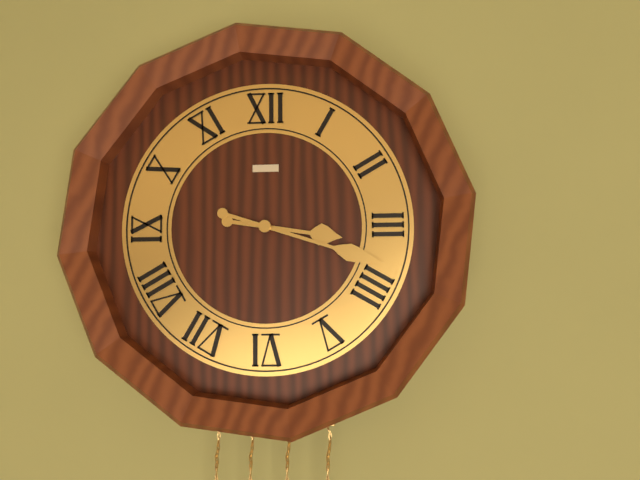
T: 3 h 18 min
